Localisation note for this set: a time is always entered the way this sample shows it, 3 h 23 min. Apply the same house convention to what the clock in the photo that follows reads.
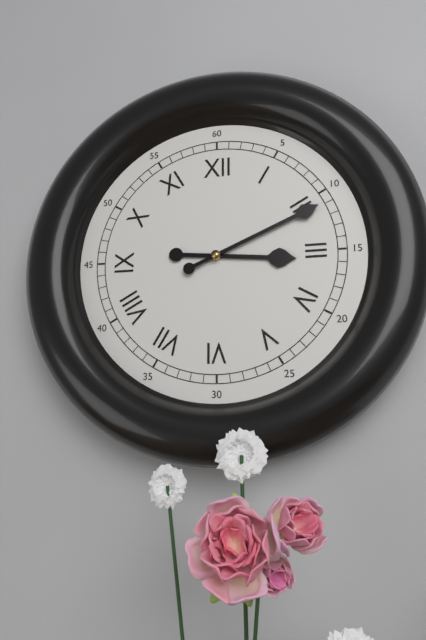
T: 3 h 11 min
